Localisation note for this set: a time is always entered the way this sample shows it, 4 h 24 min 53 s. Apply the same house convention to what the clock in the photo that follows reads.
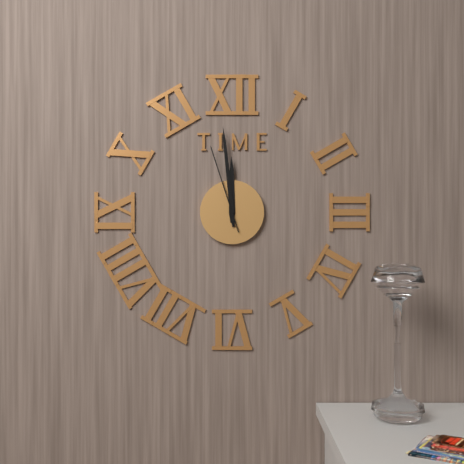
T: 11 h 59 min 57 s
